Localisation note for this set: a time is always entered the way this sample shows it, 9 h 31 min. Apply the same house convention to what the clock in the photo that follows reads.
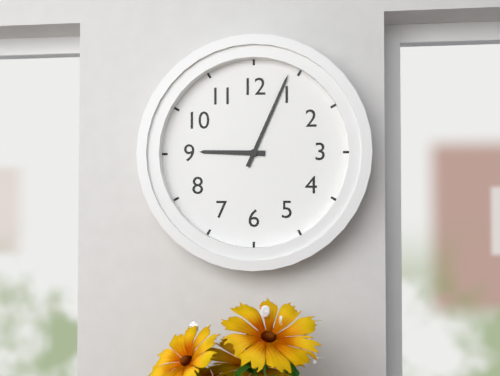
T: 9 h 04 min
